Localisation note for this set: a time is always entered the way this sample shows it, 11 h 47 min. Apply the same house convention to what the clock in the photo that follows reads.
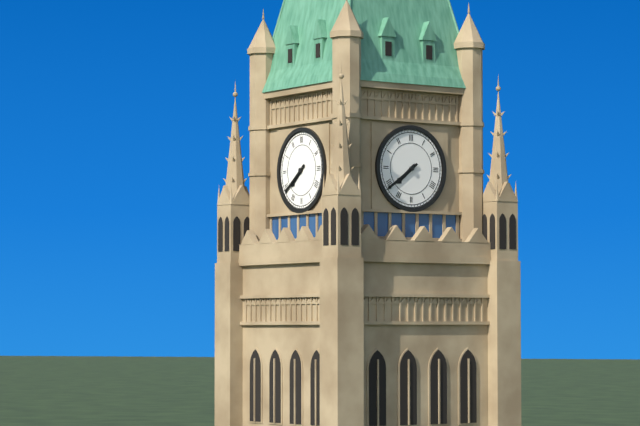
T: 7 h 39 min
